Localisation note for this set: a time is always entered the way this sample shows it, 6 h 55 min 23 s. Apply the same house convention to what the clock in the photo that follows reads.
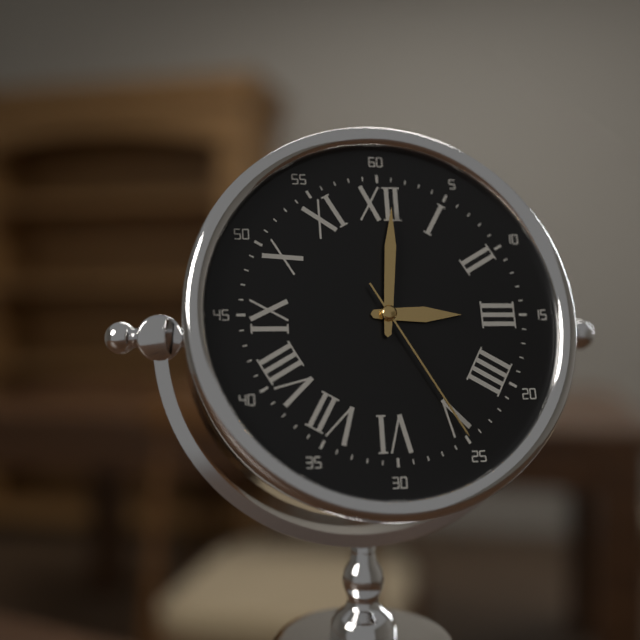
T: 3 h 01 min 25 s
